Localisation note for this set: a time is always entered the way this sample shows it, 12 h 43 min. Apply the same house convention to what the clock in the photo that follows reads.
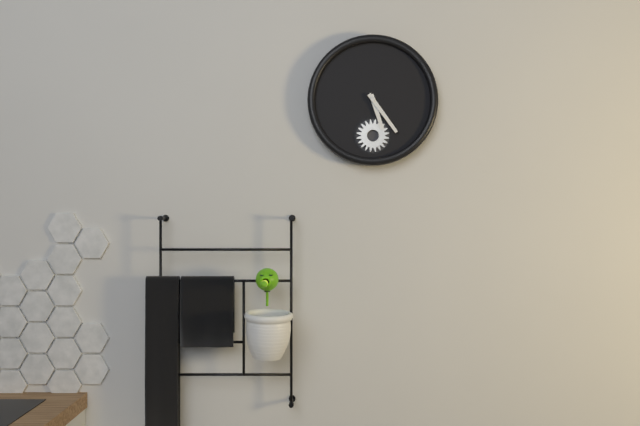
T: 5 h 24 min
